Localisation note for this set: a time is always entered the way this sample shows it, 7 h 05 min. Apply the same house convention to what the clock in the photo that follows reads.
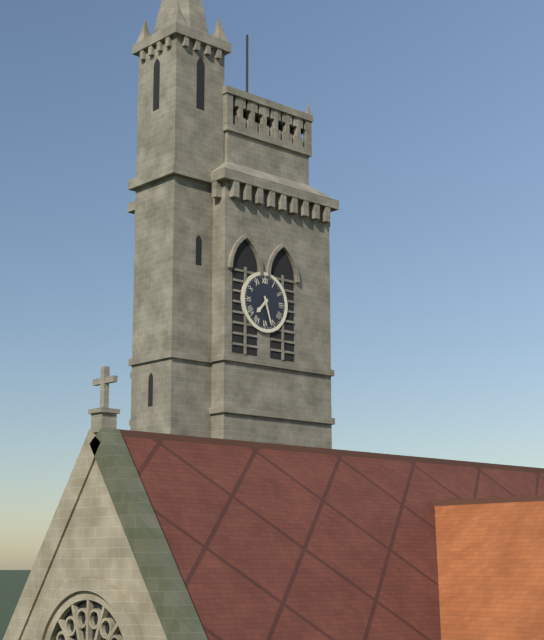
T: 7 h 27 min
